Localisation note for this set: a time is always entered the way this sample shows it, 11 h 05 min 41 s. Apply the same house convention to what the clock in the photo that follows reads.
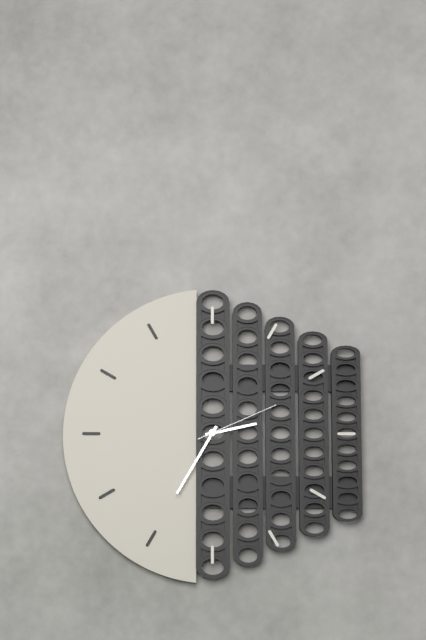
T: 2 h 35 min 11 s
